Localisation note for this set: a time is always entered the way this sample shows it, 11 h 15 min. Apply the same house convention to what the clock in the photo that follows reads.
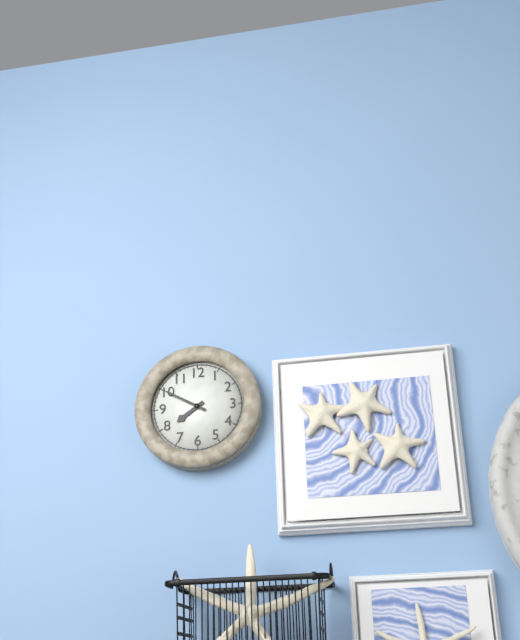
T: 7 h 50 min
